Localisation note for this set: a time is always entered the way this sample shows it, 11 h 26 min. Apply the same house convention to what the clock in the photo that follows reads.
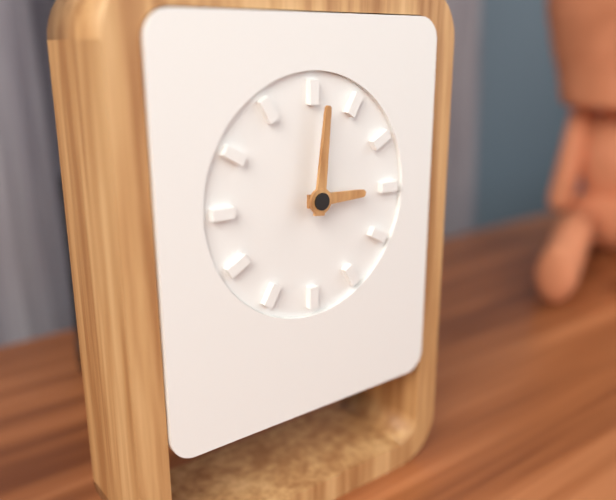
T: 3 h 01 min
